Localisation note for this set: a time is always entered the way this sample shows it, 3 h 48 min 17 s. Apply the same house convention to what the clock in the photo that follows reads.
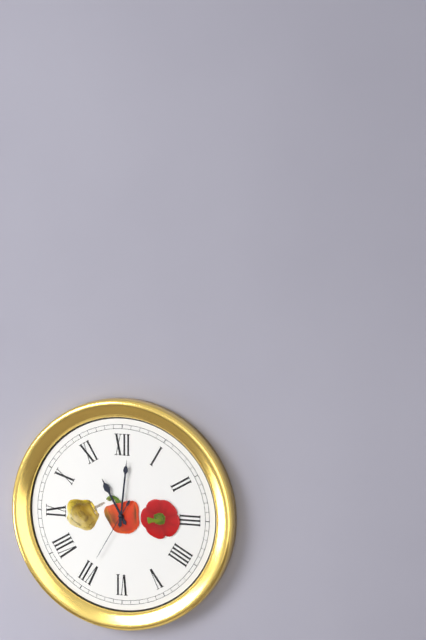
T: 11 h 01 min 35 s
